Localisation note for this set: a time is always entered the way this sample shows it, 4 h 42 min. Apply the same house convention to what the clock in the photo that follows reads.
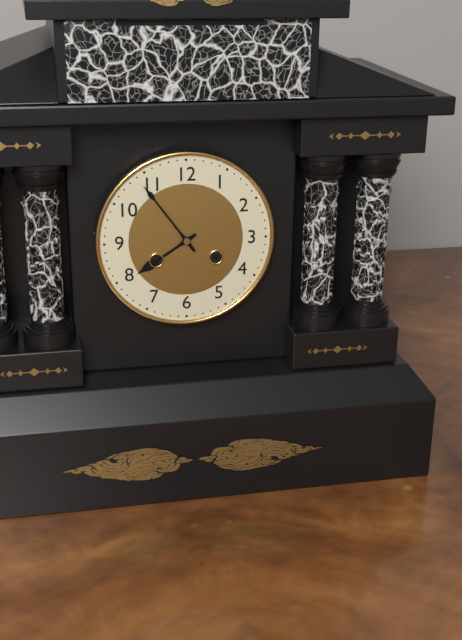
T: 7 h 54 min
